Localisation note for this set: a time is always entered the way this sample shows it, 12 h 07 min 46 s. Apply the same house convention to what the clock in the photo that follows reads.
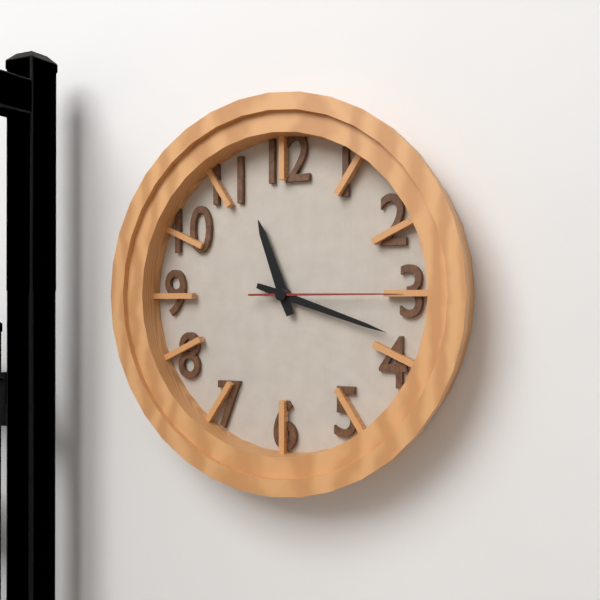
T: 11 h 18 min 15 s
